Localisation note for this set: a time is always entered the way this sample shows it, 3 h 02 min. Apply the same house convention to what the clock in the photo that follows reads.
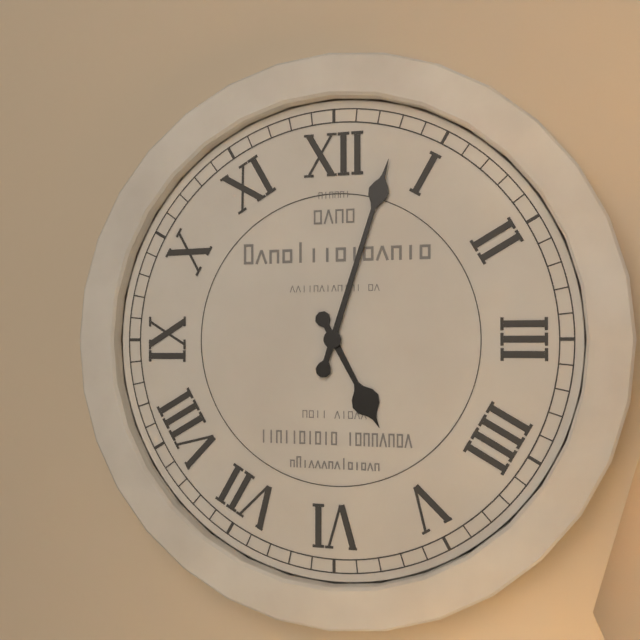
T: 5 h 03 min
